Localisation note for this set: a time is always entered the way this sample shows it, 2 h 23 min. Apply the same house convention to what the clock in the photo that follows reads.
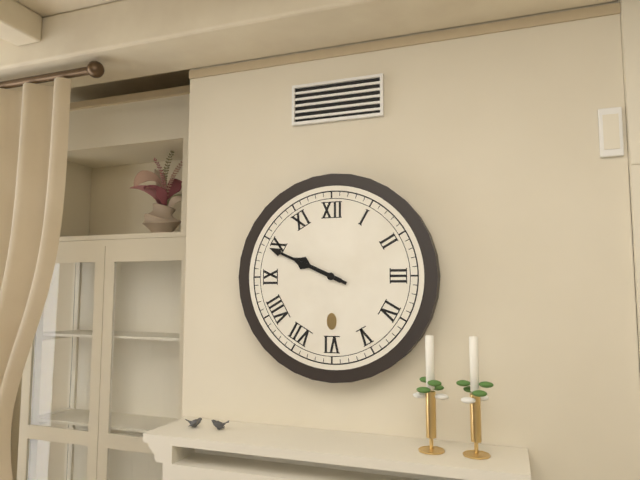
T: 9 h 49 min
